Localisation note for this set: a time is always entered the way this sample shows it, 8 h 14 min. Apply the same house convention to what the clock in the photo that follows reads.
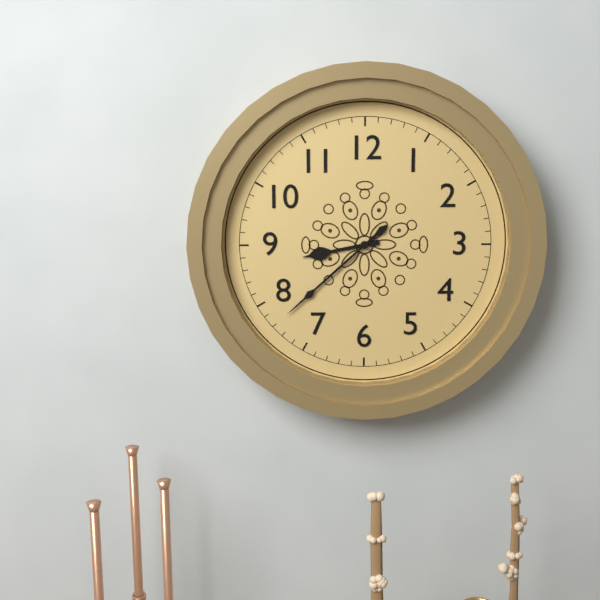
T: 8 h 38 min
